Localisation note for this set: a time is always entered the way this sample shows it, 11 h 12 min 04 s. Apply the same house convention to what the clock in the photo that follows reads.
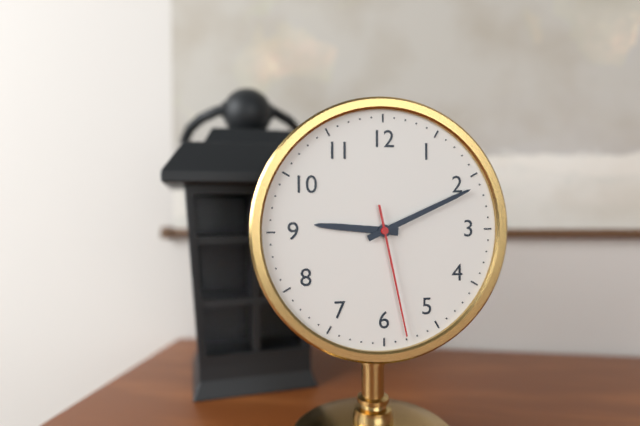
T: 9 h 11 min 28 s
